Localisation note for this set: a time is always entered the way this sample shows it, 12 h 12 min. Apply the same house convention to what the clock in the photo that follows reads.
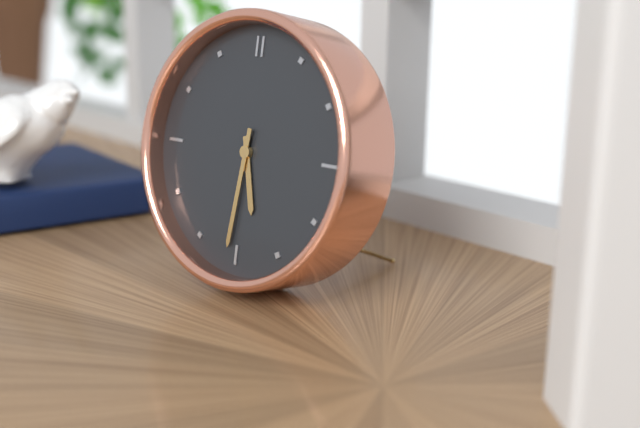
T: 5 h 31 min
